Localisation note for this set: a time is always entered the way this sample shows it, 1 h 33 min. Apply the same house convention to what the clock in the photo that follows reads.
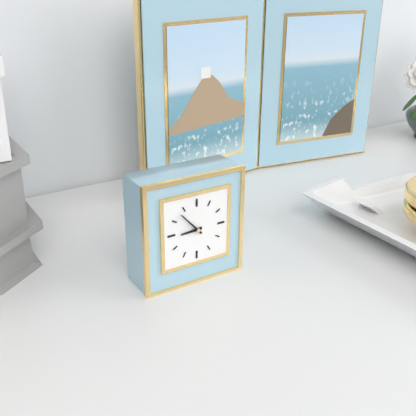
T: 8 h 53 min
